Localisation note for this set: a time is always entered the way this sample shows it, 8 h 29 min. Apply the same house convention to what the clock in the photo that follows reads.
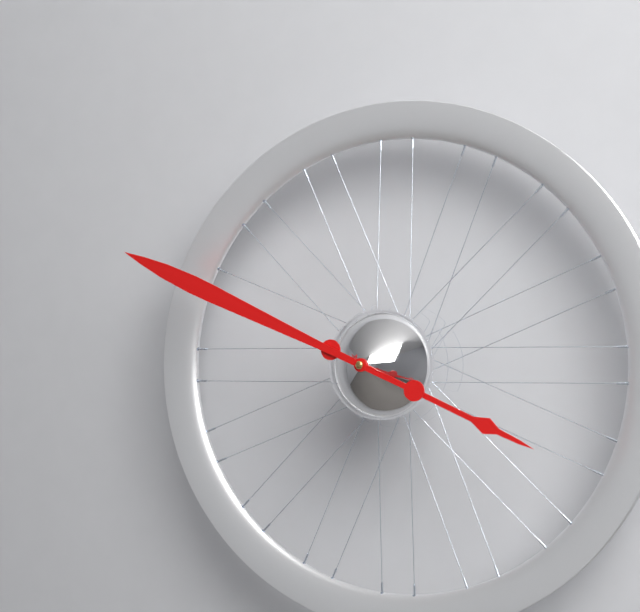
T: 3 h 49 min
